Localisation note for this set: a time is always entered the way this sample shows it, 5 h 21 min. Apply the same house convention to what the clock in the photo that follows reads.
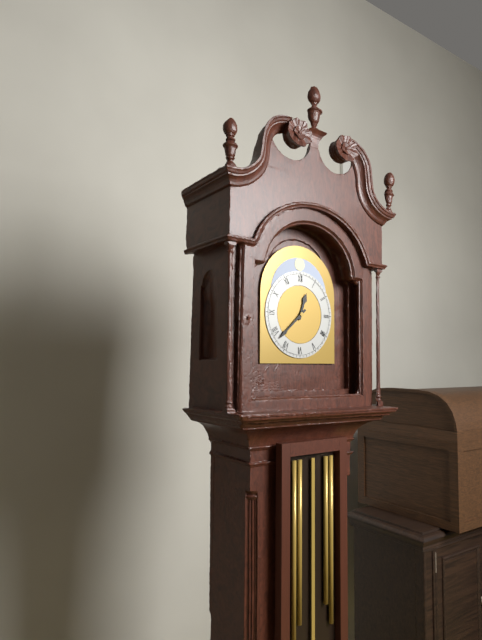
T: 12 h 38 min
